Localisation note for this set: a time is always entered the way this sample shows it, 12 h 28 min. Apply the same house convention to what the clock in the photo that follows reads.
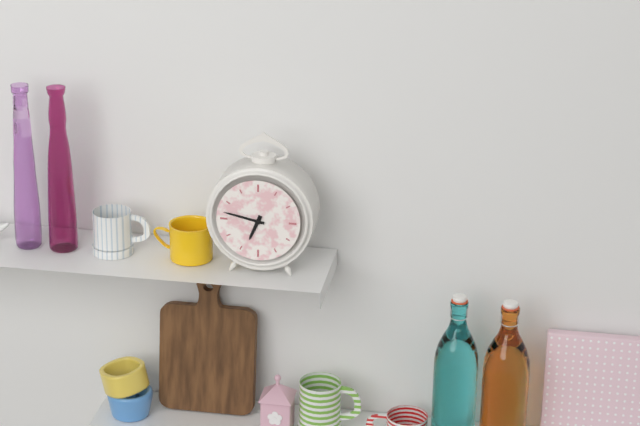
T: 6 h 47 min
